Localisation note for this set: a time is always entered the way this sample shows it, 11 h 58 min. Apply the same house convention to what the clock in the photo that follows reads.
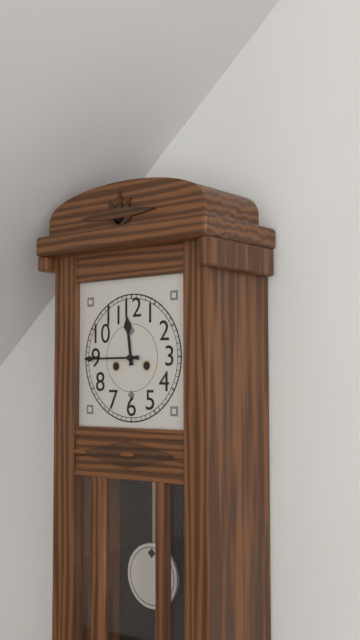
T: 11 h 45 min
